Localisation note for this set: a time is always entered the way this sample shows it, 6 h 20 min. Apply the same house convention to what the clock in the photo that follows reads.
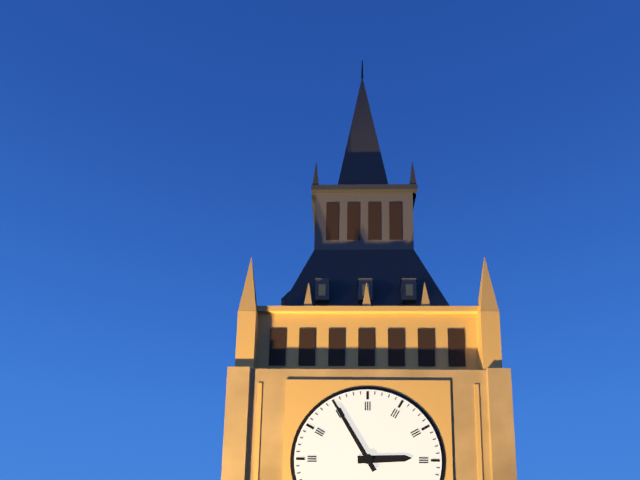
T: 2 h 55 min
